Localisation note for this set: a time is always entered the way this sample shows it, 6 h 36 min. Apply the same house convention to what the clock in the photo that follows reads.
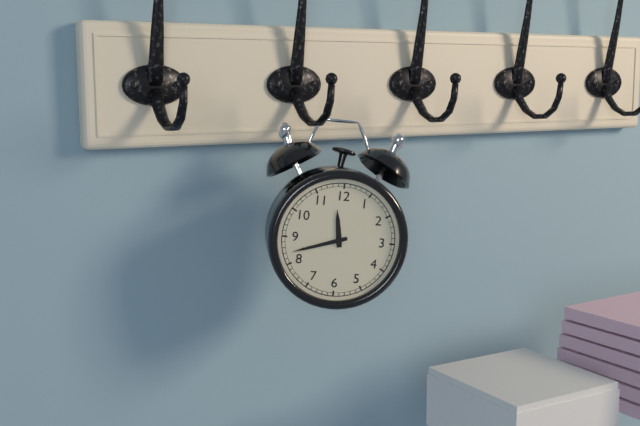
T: 11 h 42 min
